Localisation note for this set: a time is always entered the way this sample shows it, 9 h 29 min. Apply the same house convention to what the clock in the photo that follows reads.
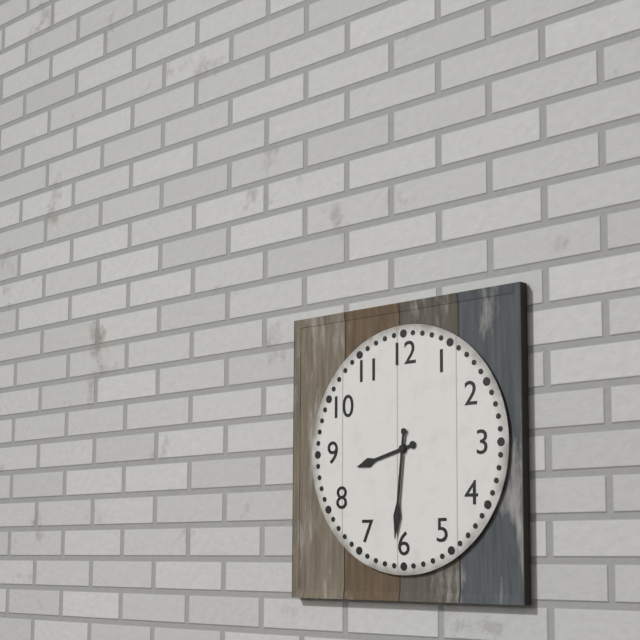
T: 8 h 31 min
